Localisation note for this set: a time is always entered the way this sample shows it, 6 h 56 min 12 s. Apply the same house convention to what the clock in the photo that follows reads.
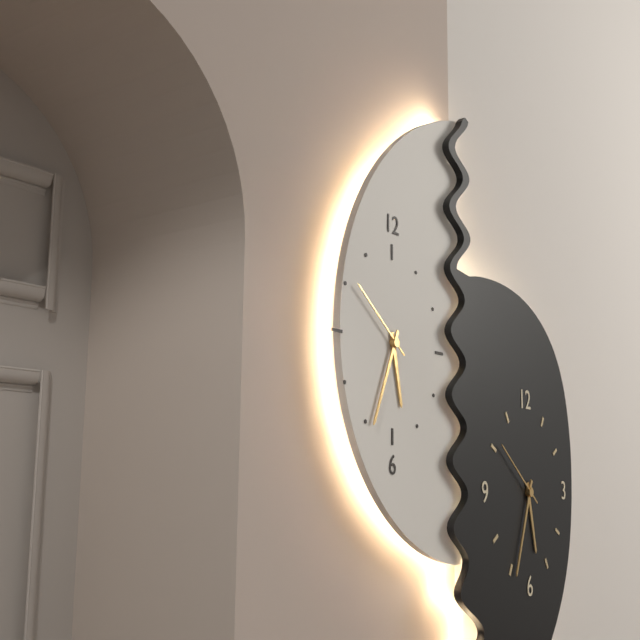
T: 5 h 34 min 51 s
